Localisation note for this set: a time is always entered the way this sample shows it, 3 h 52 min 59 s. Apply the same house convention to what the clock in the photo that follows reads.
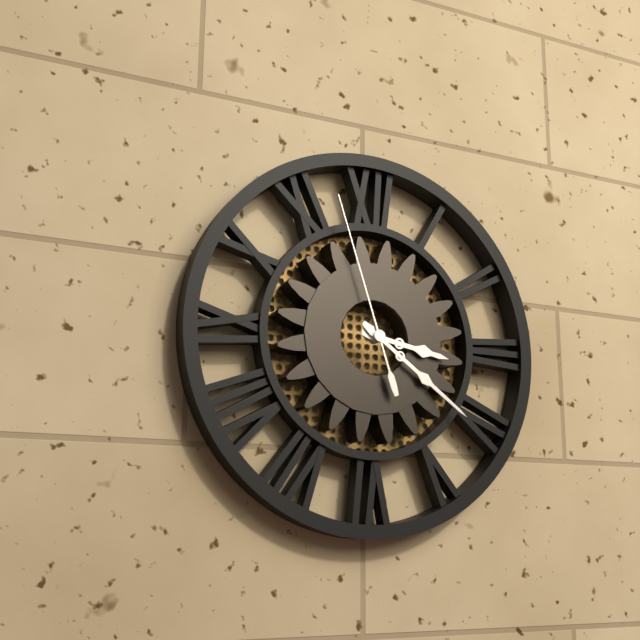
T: 3 h 21 min 57 s
